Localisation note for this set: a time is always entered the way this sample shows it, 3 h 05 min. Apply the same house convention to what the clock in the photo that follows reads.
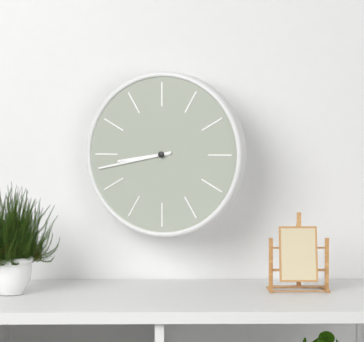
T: 8 h 43 min
